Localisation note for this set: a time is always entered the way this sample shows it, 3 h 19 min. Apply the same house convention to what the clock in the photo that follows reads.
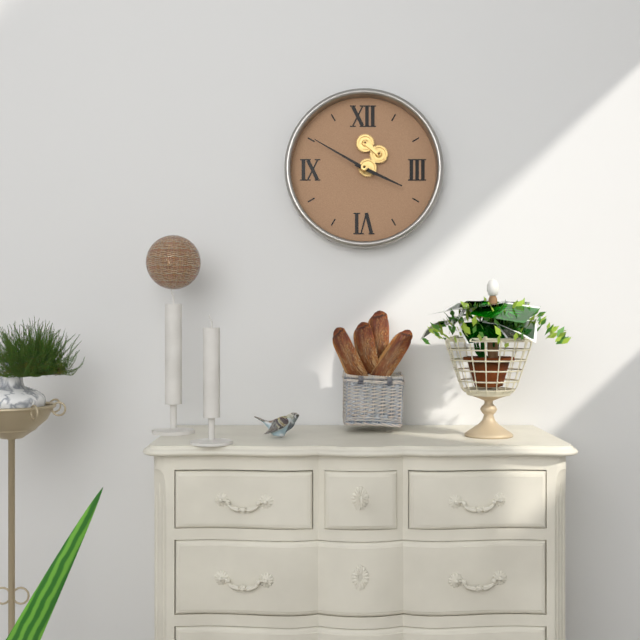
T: 3 h 50 min
